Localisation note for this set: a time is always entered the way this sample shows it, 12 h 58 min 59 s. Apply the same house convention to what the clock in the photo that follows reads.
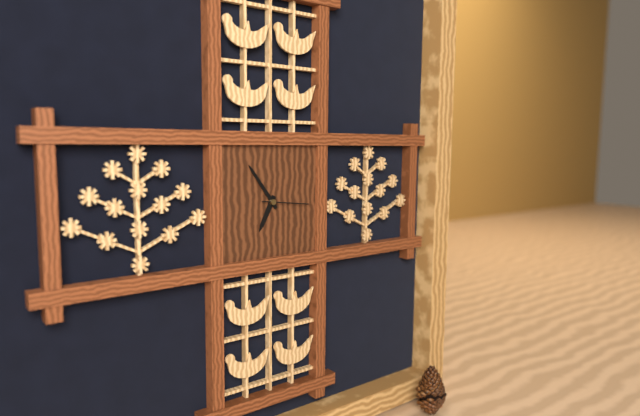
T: 6 h 54 min 16 s
